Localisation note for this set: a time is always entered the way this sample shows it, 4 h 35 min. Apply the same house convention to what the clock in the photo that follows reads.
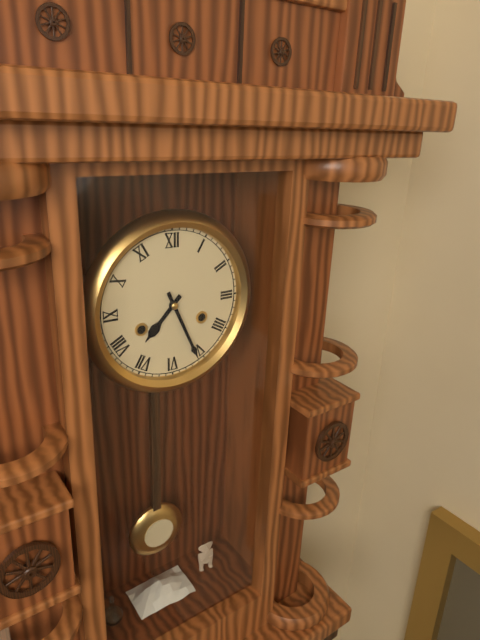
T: 7 h 26 min
